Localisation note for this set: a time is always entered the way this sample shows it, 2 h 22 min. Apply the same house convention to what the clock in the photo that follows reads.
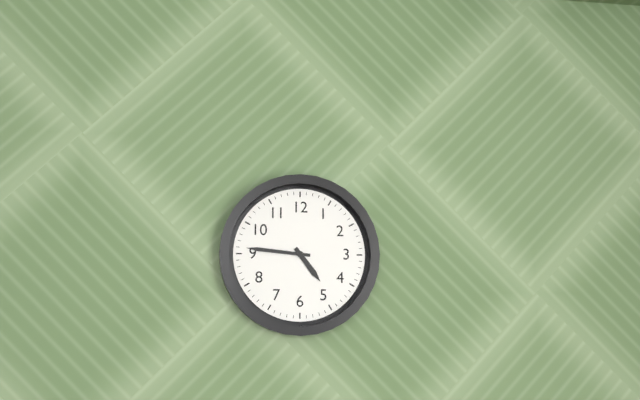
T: 4 h 46 min
